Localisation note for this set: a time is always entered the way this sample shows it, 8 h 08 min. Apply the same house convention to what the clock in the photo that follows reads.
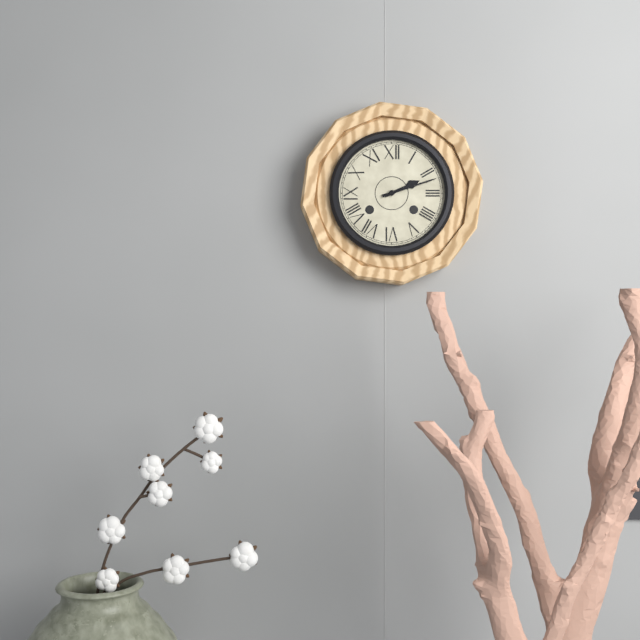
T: 2 h 12 min
